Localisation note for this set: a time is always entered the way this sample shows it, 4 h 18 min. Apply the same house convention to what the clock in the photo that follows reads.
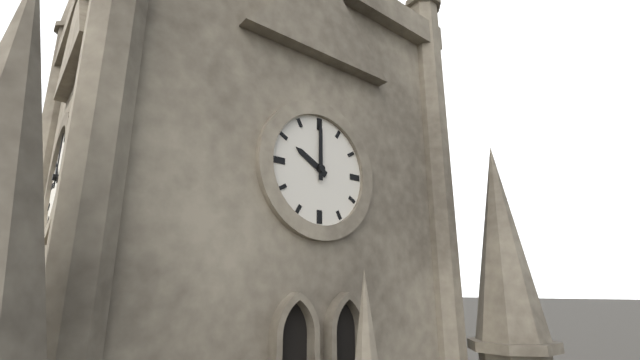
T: 10 h 00 min
